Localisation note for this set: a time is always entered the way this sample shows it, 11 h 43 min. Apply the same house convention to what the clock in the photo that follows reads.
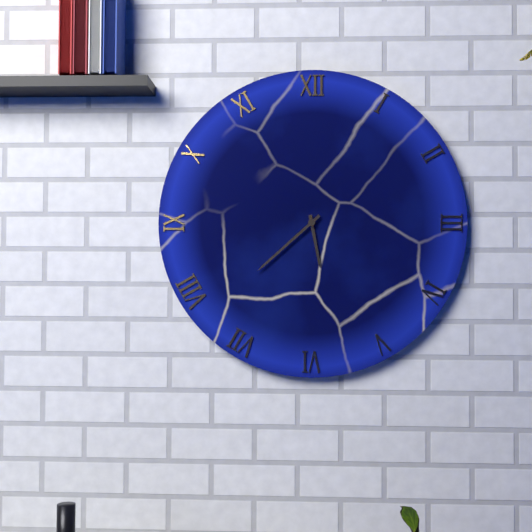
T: 5 h 38 min
